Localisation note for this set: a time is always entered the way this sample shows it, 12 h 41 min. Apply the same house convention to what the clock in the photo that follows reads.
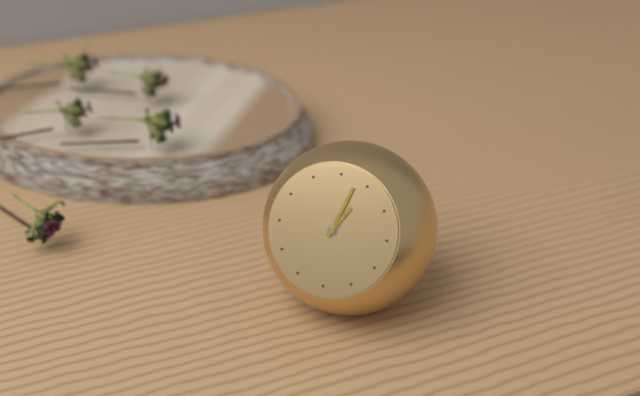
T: 1 h 03 min
